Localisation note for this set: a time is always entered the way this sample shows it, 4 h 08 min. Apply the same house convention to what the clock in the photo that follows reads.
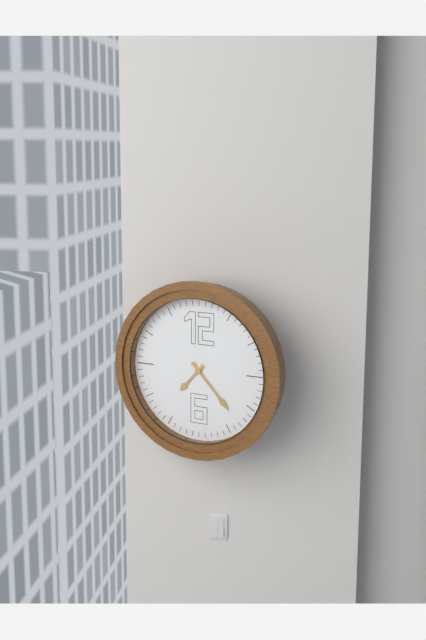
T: 7 h 23 min
